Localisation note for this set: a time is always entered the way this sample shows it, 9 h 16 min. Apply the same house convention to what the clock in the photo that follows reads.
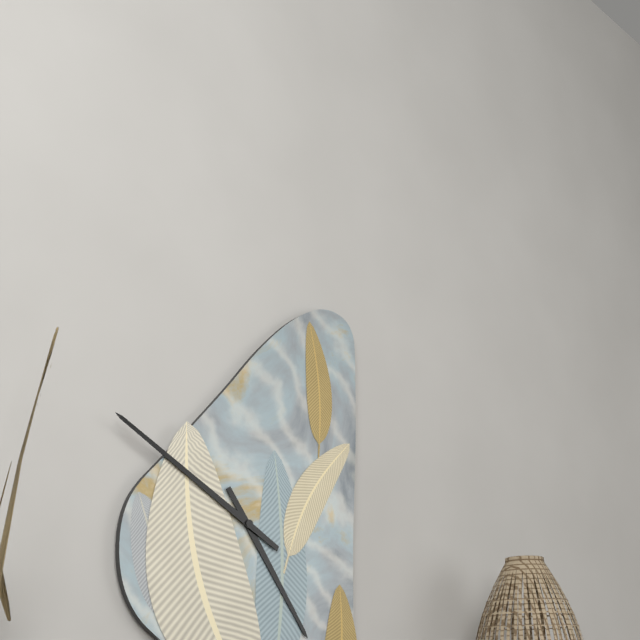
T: 4 h 50 min
